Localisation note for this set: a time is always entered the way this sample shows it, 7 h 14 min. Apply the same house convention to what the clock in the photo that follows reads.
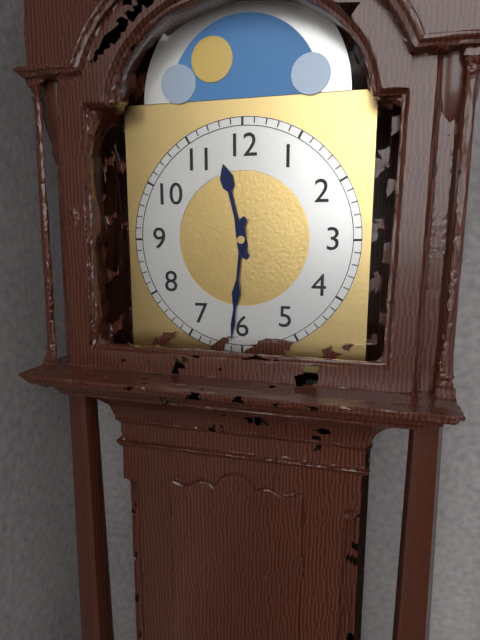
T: 11 h 31 min
